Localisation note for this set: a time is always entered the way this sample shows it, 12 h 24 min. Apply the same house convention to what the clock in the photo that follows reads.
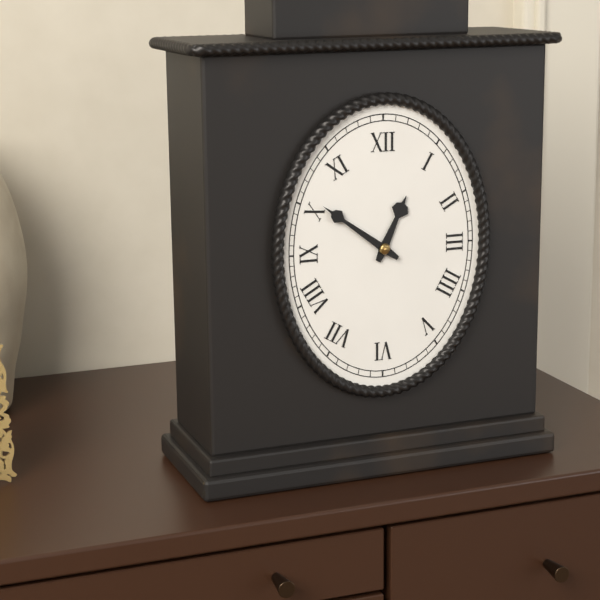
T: 12 h 51 min
